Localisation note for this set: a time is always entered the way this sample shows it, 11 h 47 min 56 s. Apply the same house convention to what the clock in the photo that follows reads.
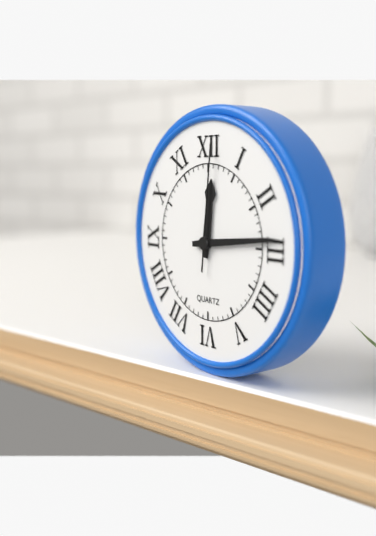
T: 12 h 14 min 01 s
